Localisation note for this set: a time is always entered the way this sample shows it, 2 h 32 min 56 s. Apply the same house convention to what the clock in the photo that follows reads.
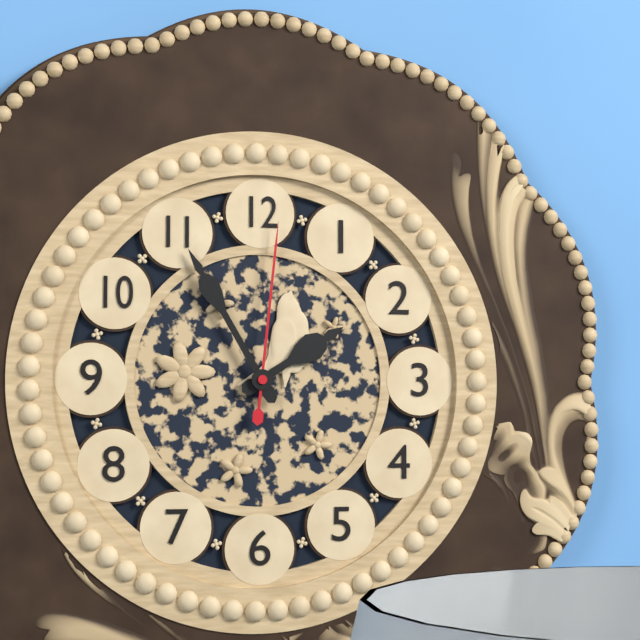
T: 1 h 55 min 01 s
